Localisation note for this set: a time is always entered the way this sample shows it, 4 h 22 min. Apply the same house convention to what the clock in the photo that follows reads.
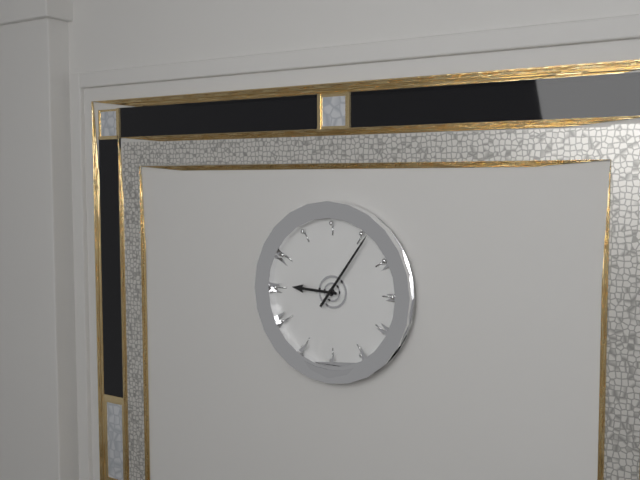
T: 9 h 06 min
